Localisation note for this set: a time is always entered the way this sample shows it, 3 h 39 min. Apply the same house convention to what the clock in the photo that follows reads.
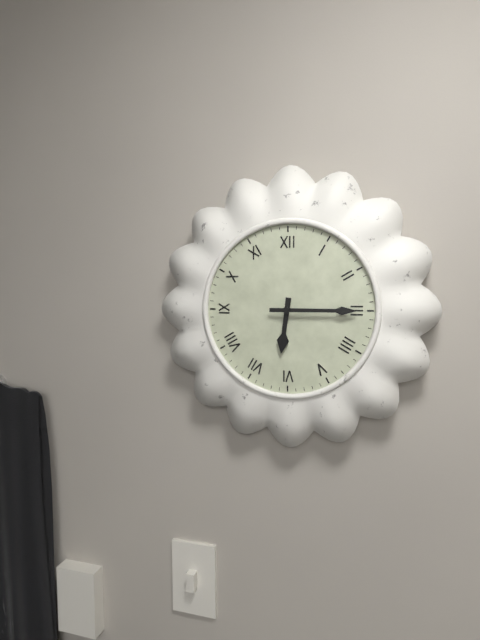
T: 6 h 15 min
